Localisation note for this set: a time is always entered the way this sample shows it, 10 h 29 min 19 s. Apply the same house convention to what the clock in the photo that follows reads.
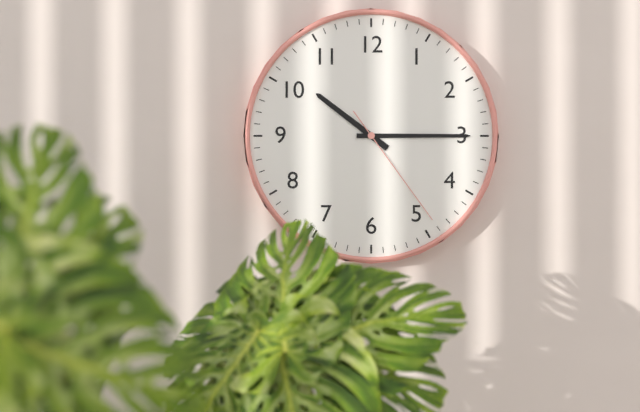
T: 10 h 15 min 24 s
